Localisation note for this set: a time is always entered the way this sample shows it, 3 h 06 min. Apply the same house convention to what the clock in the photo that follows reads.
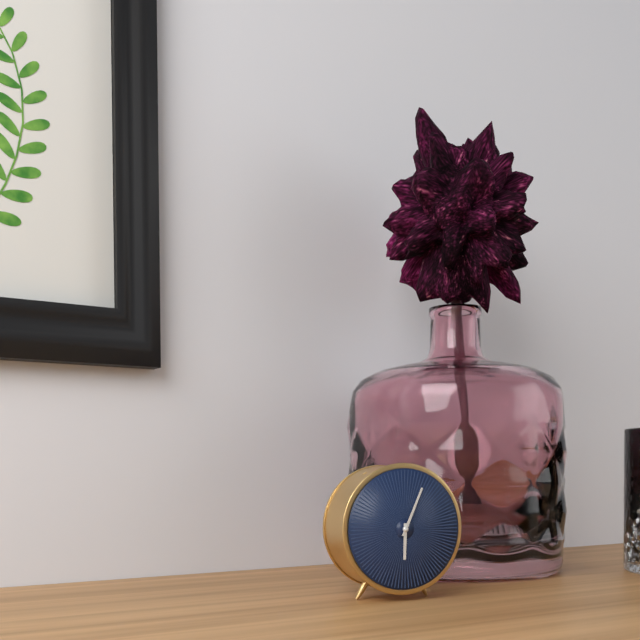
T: 6 h 04 min
